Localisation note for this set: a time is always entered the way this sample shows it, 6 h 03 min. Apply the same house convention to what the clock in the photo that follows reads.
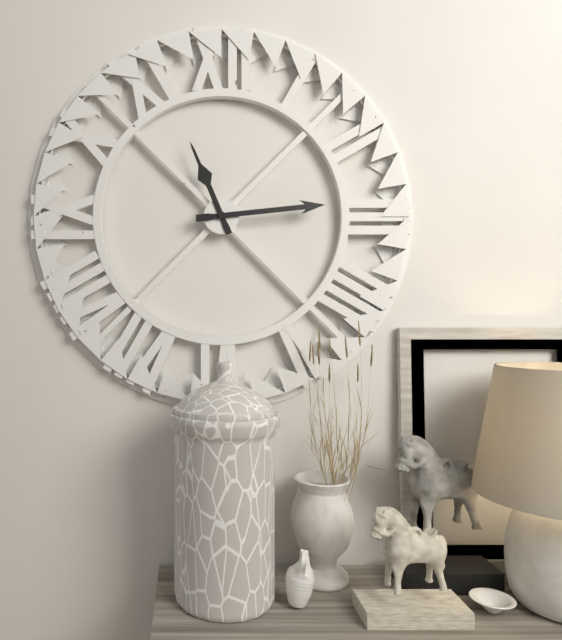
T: 11 h 14 min
